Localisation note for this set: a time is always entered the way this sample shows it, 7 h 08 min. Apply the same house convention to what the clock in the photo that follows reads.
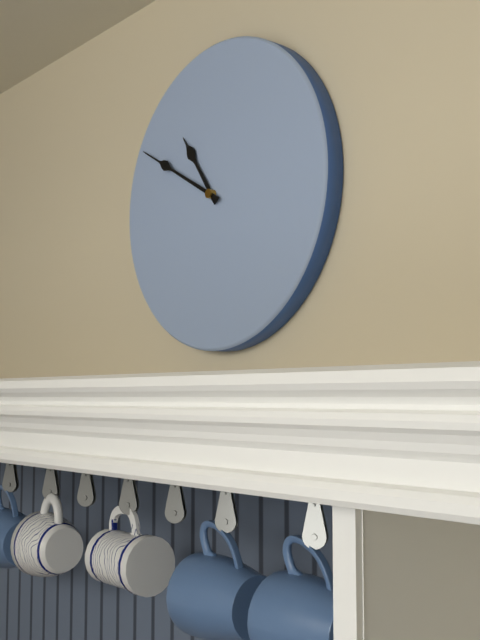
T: 10 h 50 min
